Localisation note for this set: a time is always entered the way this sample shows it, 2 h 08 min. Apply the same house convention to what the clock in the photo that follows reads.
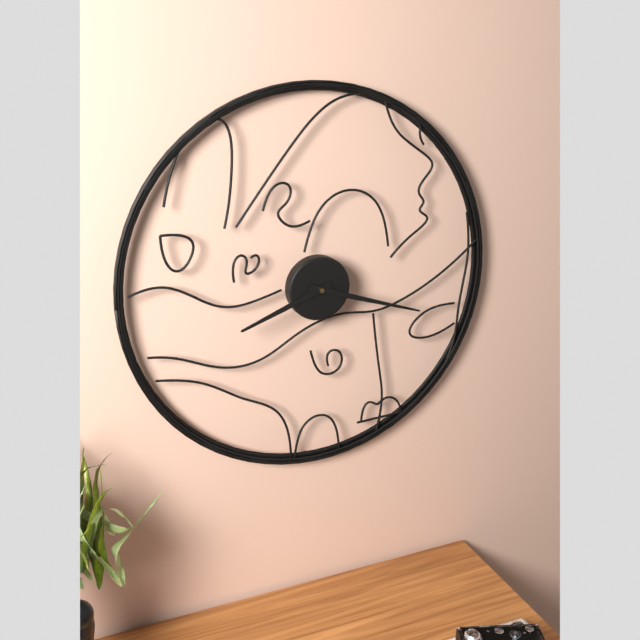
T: 8 h 18 min
